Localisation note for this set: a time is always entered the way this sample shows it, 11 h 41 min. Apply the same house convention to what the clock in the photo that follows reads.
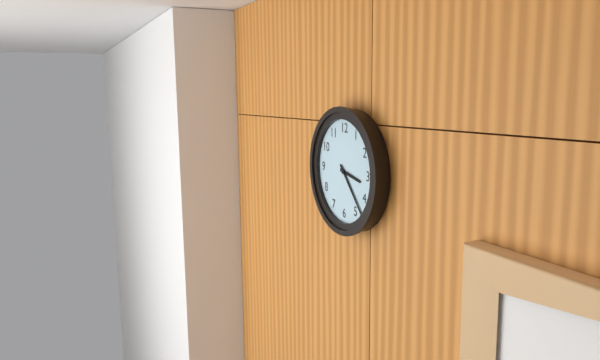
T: 3 h 23 min
